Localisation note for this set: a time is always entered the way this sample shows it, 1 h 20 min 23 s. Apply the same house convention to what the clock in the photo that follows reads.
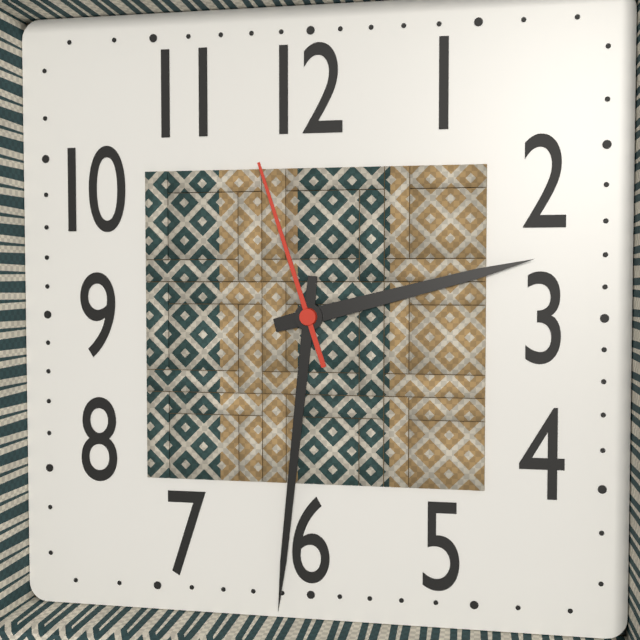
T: 2 h 31 min 57 s
